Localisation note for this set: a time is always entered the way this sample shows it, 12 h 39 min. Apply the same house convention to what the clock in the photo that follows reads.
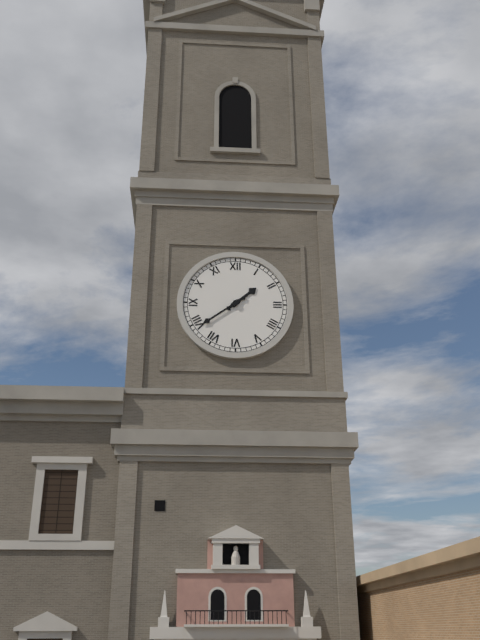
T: 1 h 39 min
